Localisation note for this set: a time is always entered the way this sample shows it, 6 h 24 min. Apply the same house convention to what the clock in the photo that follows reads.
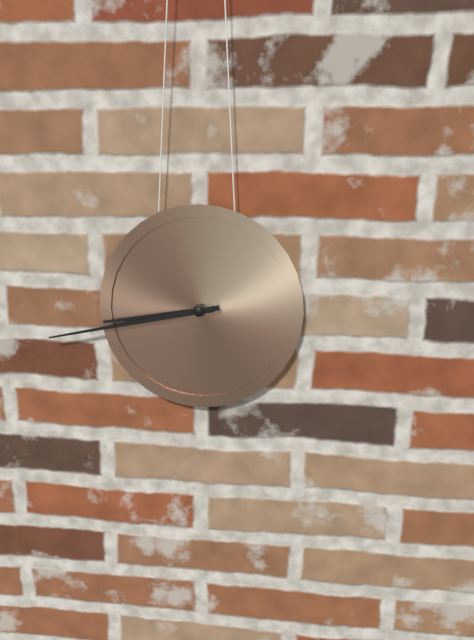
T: 8 h 43 min
